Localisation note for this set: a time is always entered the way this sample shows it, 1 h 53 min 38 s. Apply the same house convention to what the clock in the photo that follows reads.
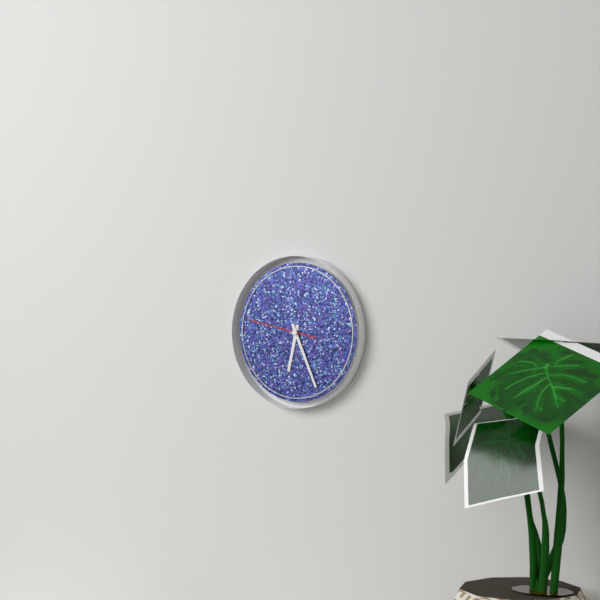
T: 6 h 26 min 47 s
